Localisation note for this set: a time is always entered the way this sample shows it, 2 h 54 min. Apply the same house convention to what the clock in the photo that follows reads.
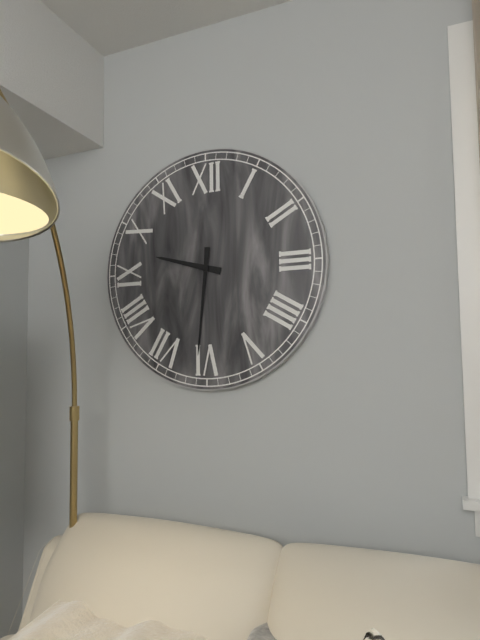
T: 9 h 31 min
